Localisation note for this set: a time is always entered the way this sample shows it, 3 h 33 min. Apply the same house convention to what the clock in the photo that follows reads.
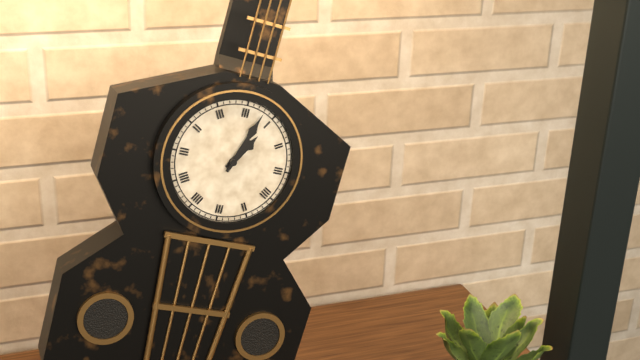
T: 1 h 03 min
